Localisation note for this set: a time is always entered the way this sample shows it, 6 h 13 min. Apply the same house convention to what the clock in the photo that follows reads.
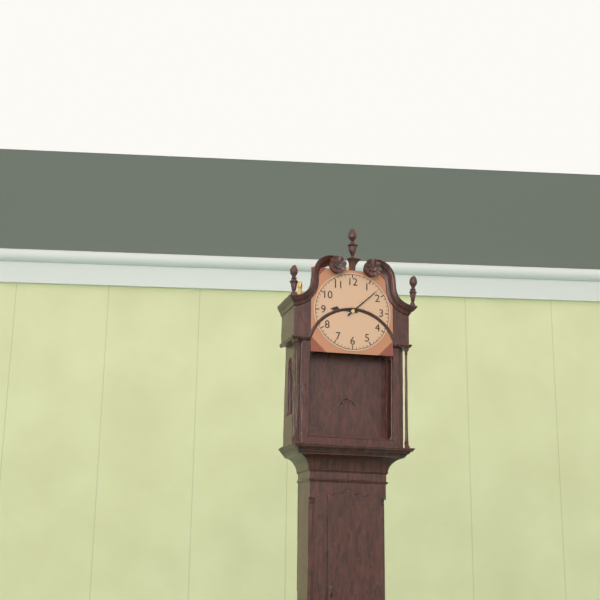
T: 9 h 08 min
